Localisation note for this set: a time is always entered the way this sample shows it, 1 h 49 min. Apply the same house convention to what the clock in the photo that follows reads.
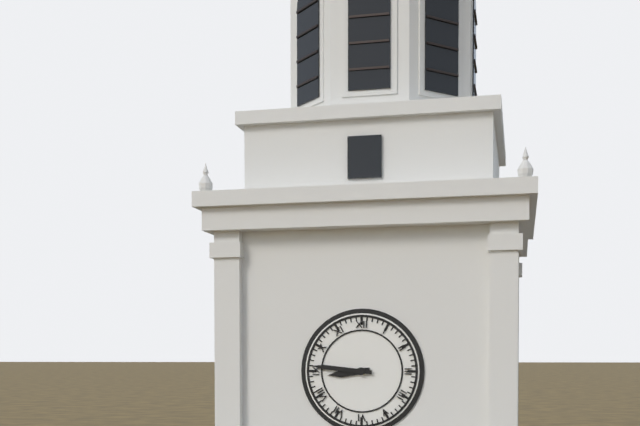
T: 8 h 46 min
